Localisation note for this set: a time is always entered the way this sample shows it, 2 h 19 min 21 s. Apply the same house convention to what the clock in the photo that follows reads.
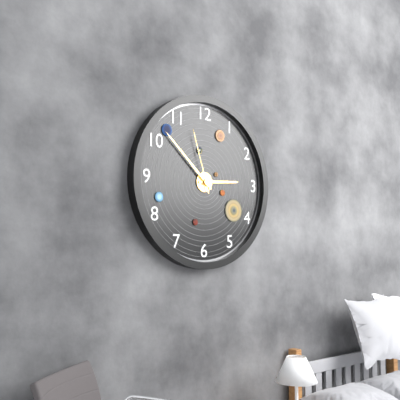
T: 2 h 52 min 57 s
